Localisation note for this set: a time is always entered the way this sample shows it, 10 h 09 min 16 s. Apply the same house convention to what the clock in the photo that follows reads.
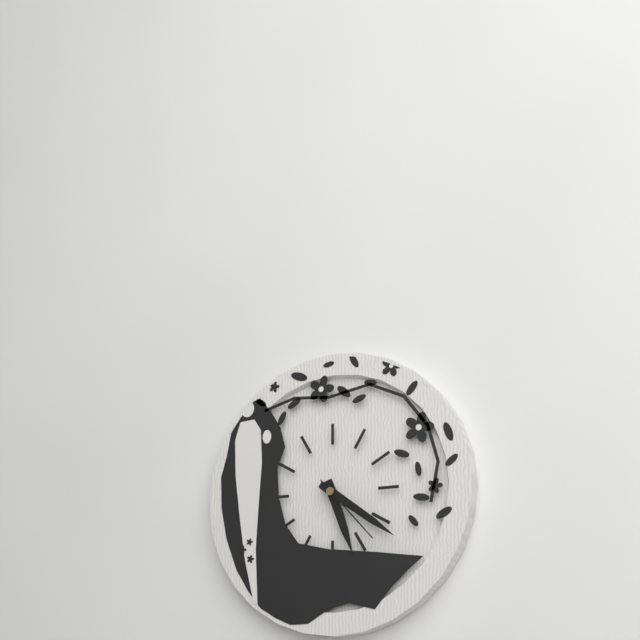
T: 5 h 21 min 23 s
